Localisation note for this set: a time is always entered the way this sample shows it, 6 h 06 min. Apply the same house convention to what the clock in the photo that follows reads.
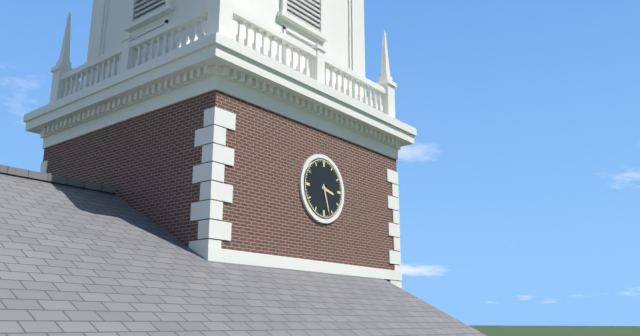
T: 3 h 27 min
